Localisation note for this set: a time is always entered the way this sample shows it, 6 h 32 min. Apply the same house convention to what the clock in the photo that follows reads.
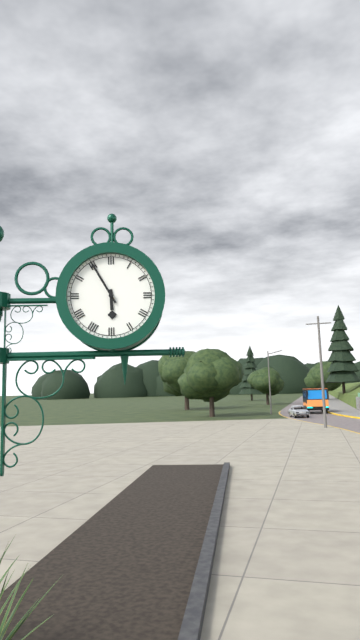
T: 5 h 55 min
